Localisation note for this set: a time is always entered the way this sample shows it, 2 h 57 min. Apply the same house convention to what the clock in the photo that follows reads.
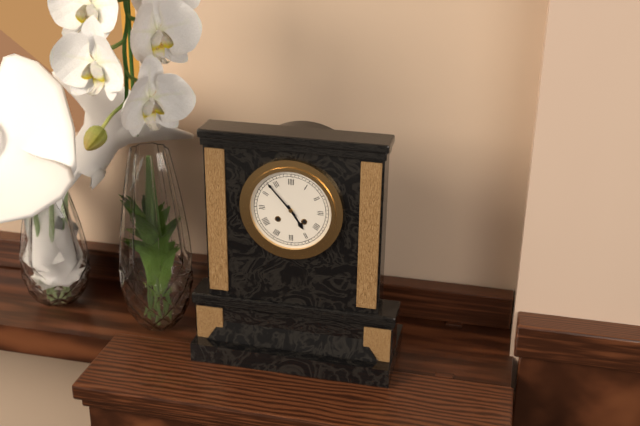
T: 4 h 53 min
